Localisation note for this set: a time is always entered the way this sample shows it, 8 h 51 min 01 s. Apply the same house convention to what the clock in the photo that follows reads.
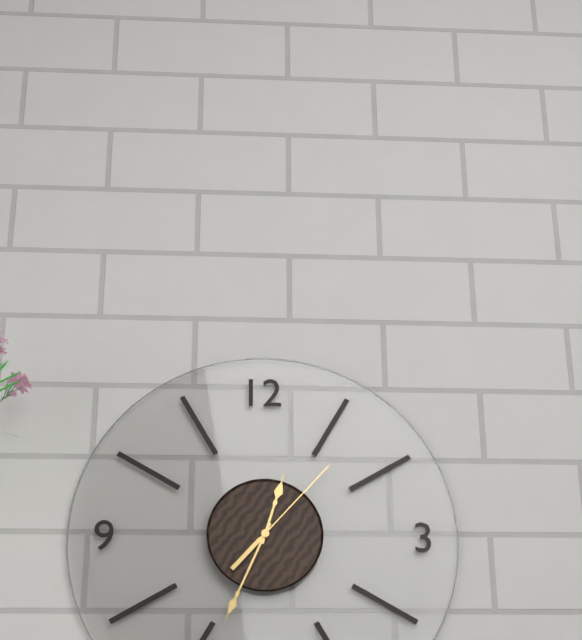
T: 12 h 34 min 07 s
